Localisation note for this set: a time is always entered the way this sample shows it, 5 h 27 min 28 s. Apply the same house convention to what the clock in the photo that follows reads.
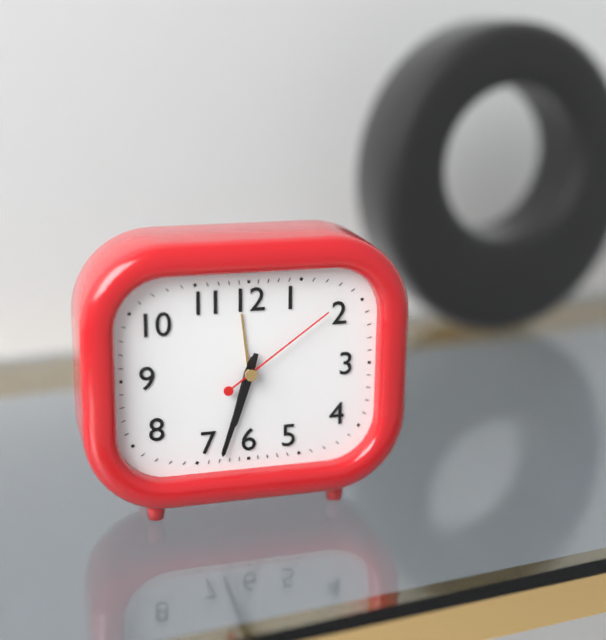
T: 6 h 33 min 09 s
